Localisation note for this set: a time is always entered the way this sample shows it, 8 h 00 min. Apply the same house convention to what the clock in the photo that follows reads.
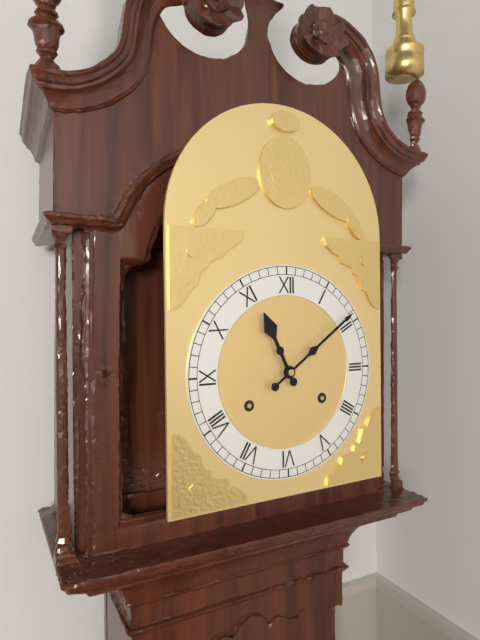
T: 11 h 09 min
